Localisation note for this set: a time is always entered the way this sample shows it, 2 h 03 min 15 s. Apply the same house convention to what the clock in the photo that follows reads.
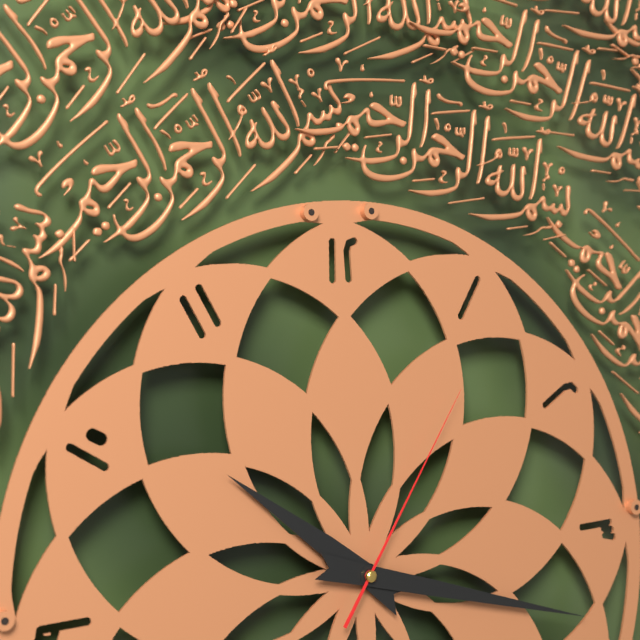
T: 10 h 18 min 06 s
